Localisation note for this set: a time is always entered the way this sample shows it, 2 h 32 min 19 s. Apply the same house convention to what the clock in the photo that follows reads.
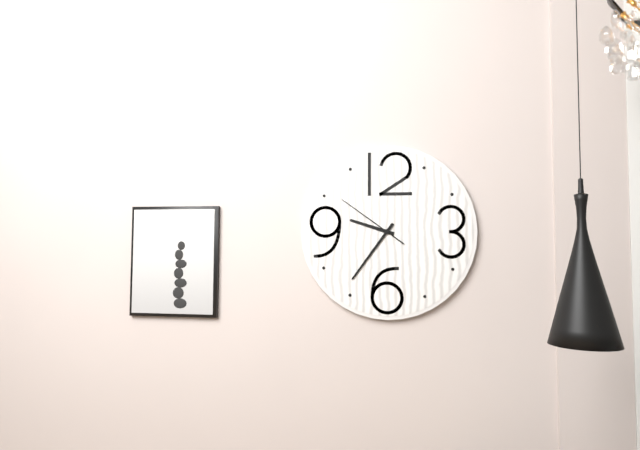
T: 9 h 36 min 51 s
